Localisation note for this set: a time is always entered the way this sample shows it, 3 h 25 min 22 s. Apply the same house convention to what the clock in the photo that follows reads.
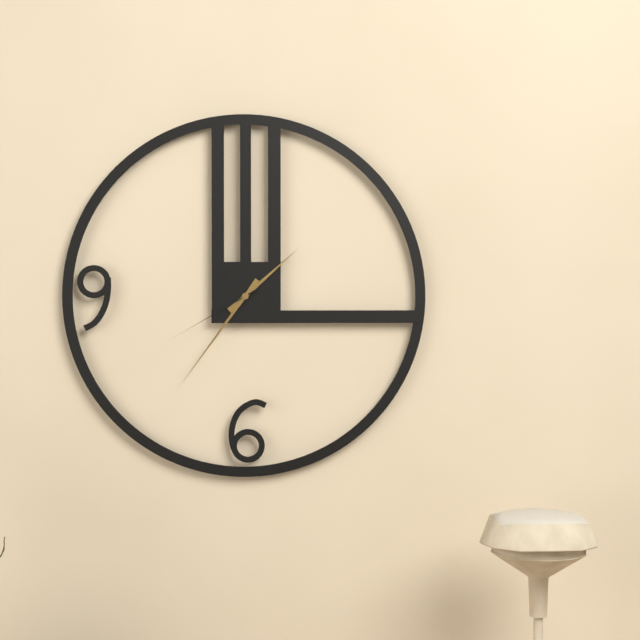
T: 1 h 36 min 40 s
